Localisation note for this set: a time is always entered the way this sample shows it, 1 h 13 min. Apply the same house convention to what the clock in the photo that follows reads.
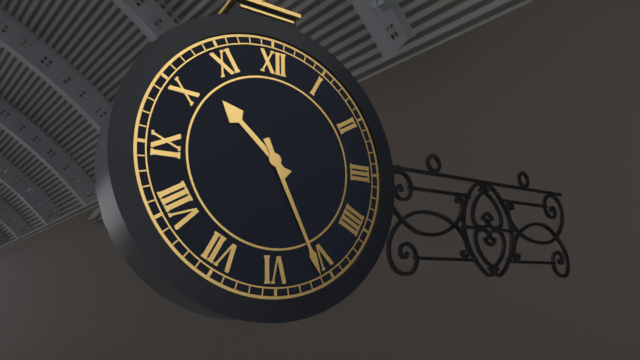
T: 10 h 26 min
